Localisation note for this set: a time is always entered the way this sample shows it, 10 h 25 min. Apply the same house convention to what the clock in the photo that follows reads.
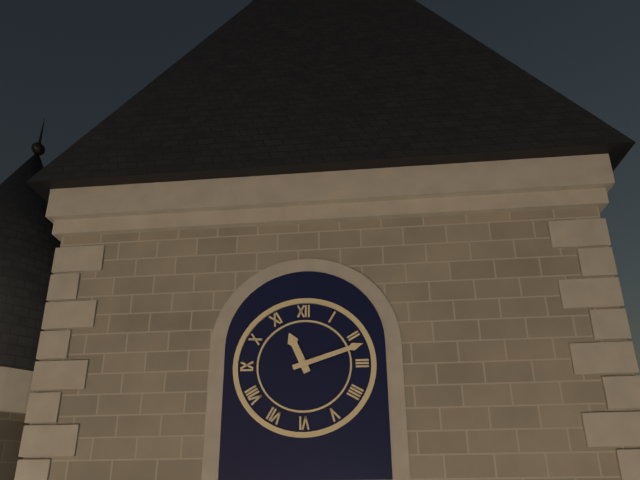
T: 11 h 12 min
